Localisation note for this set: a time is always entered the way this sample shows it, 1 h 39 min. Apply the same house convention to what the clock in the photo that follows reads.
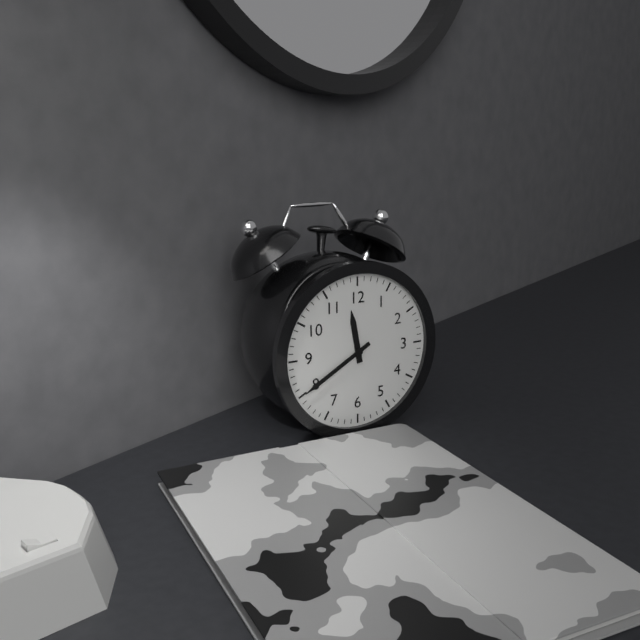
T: 11 h 40 min
